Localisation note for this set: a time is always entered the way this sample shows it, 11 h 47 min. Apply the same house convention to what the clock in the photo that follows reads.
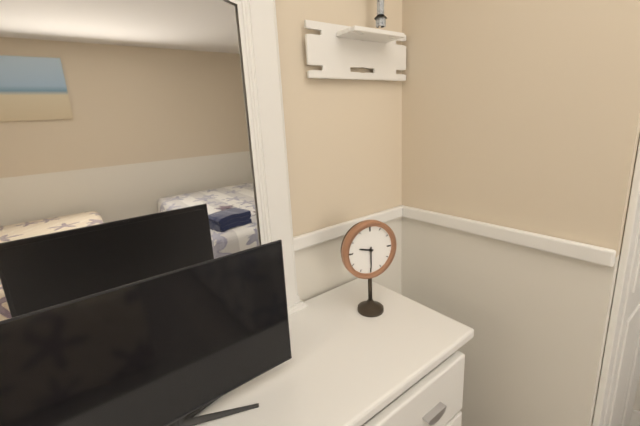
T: 9 h 30 min
